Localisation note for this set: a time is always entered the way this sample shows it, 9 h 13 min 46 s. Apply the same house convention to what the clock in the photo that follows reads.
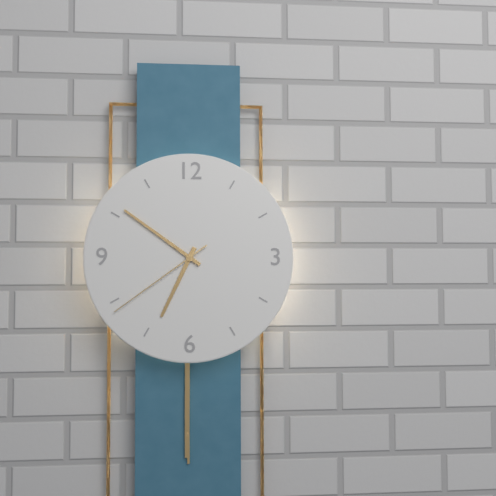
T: 6 h 51 min 39 s
